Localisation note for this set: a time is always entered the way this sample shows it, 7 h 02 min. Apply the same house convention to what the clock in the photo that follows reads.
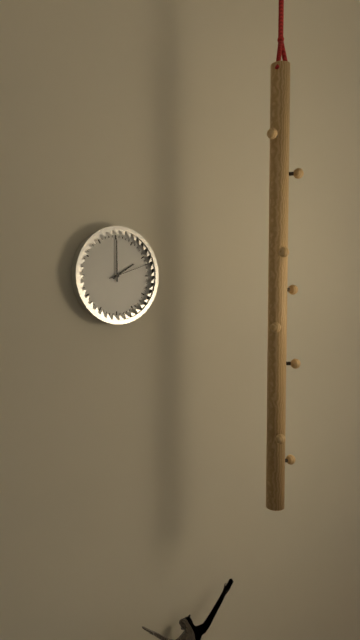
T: 2 h 00 min
